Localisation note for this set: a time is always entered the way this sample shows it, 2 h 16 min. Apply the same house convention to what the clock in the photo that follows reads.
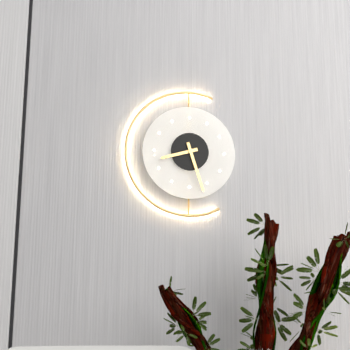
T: 8 h 27 min
